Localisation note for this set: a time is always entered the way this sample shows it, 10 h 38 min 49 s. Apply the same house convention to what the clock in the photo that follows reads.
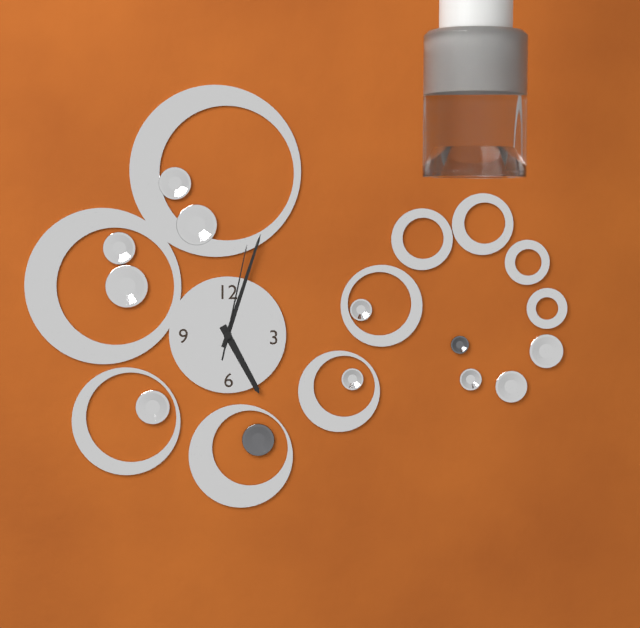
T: 5 h 03 min 02 s
